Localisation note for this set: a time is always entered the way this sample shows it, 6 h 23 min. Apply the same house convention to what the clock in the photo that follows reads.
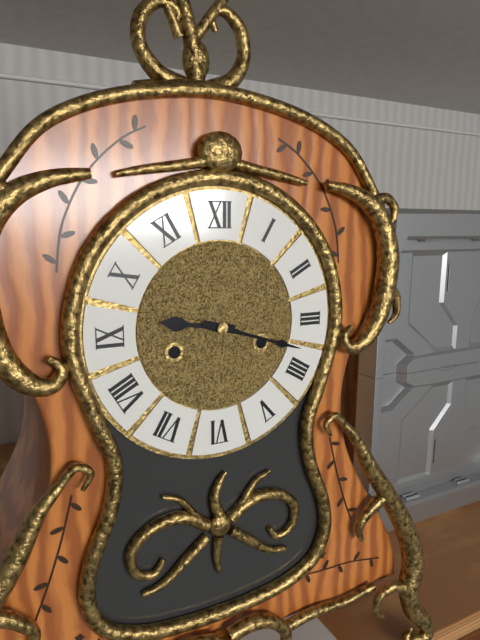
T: 9 h 18 min
